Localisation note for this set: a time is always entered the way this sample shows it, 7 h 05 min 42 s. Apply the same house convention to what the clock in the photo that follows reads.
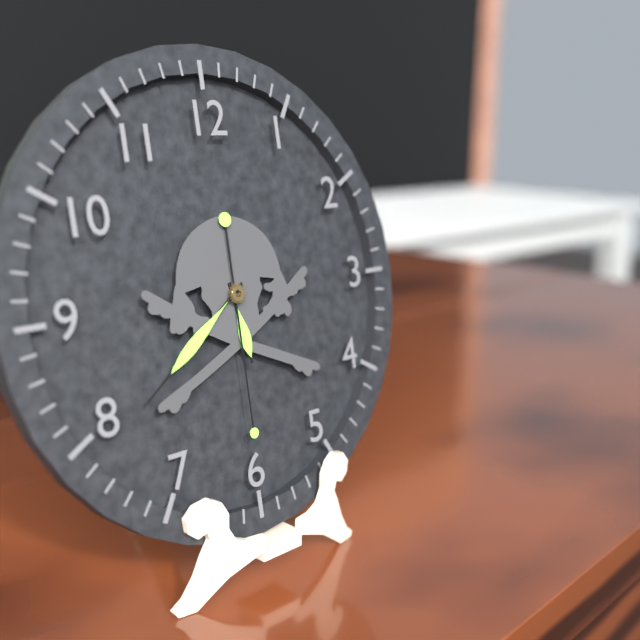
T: 5 h 39 min 30 s
